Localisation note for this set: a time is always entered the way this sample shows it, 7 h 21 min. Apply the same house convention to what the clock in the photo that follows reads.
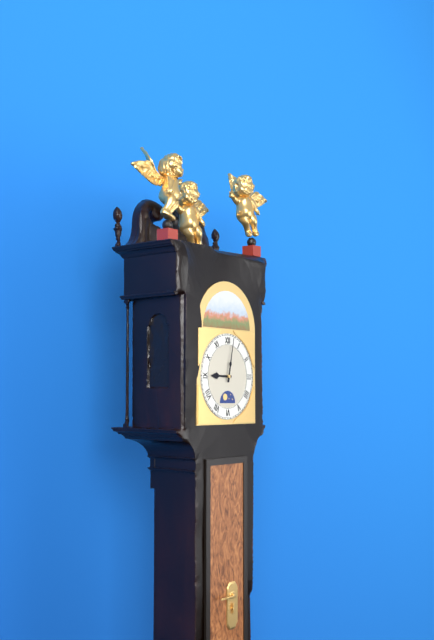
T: 9 h 02 min
